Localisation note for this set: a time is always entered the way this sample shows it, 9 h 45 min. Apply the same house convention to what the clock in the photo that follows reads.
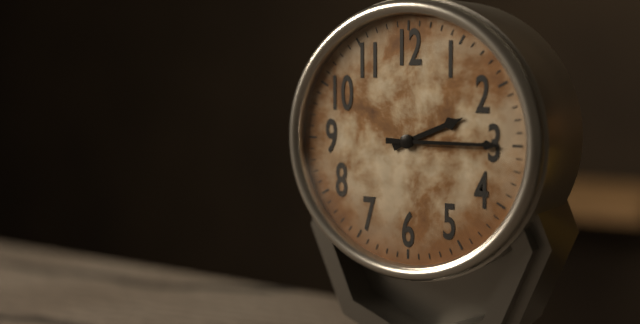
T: 2 h 15 min
